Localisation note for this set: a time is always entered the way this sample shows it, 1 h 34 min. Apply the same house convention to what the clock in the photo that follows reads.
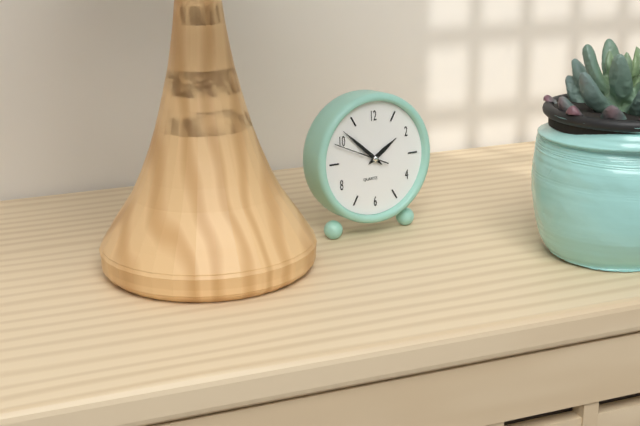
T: 1 h 52 min
